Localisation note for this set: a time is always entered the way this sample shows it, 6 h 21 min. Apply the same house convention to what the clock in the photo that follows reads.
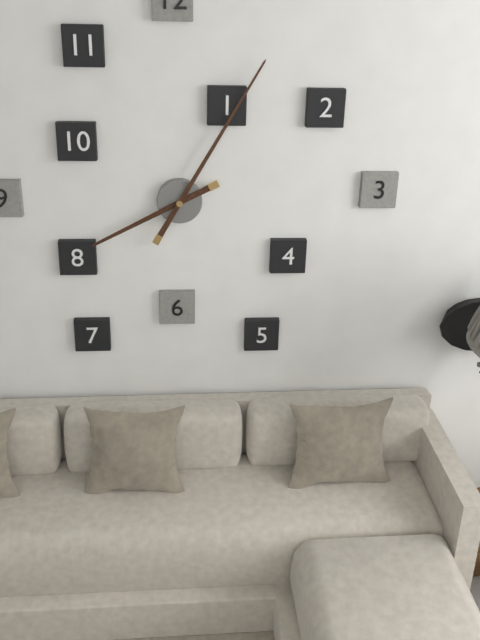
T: 8 h 05 min
